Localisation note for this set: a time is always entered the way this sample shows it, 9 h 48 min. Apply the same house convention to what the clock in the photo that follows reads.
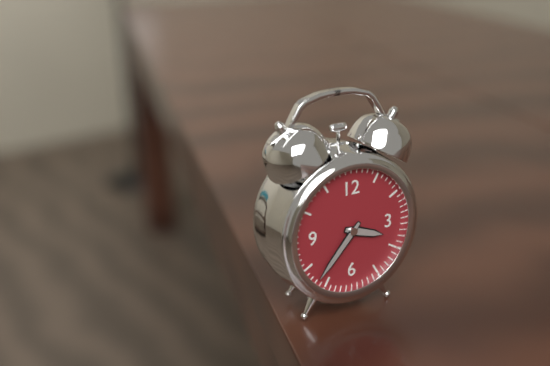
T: 3 h 37 min
